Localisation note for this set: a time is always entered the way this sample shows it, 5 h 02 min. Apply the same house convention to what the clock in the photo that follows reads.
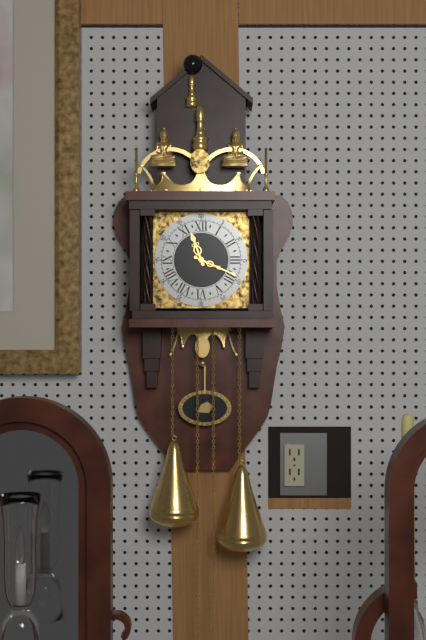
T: 11 h 19 min
